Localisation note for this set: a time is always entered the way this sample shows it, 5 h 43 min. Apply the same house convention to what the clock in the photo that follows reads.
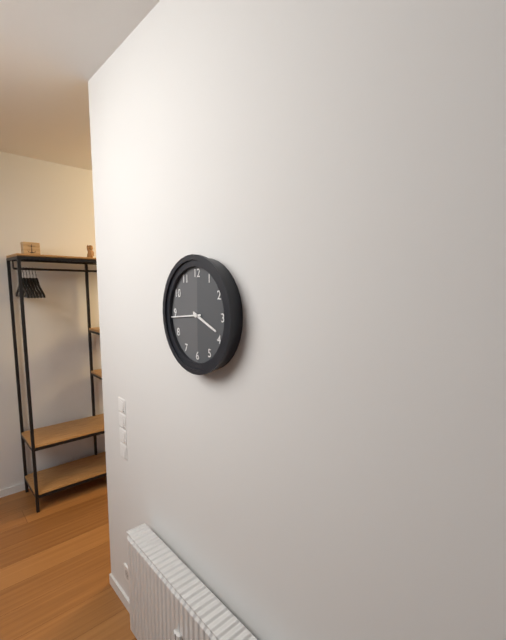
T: 3 h 44 min
